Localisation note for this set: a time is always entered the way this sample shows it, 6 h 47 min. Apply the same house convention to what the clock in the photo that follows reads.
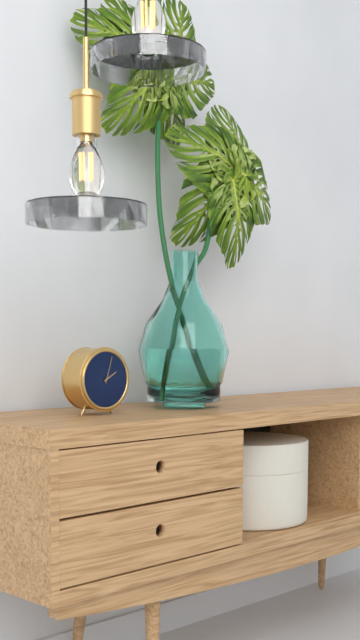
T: 2 h 03 min
